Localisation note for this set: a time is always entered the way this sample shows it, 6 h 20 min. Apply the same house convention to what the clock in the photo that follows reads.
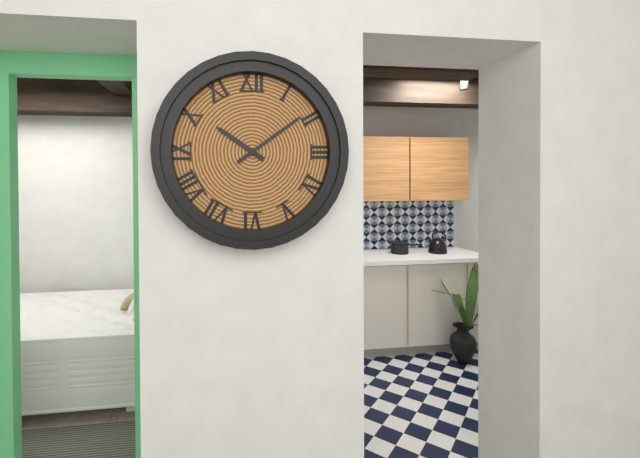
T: 10 h 09 min
